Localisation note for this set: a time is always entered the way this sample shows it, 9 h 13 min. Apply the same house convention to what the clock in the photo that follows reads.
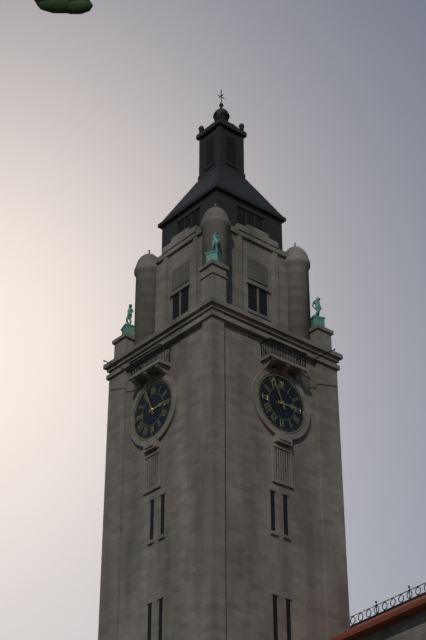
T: 2 h 56 min
